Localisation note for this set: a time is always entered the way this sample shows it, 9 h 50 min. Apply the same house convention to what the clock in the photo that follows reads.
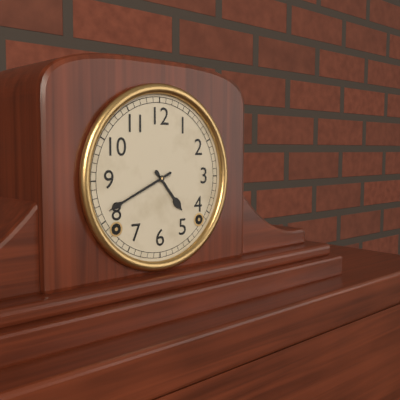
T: 4 h 41 min
